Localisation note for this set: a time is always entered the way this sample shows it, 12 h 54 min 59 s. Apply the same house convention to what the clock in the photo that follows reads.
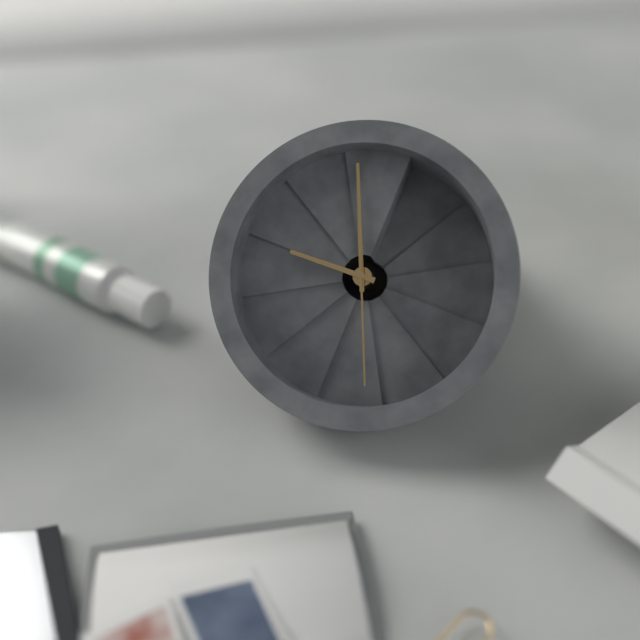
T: 8 h 56 min 26 s
